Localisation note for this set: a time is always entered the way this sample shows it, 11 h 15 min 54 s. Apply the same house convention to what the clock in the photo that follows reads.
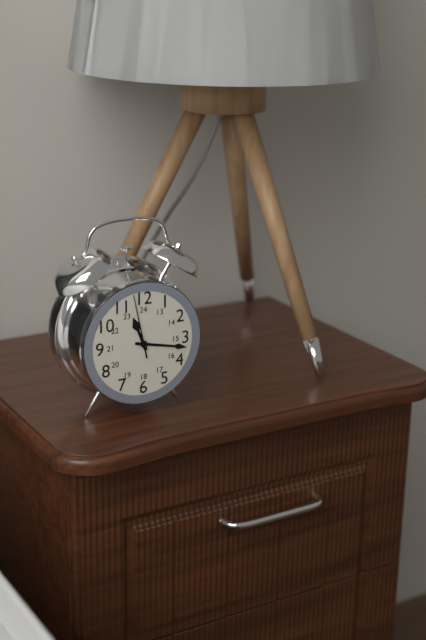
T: 11 h 17 min 58 s
